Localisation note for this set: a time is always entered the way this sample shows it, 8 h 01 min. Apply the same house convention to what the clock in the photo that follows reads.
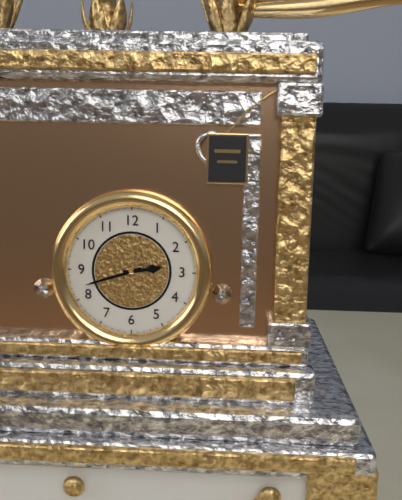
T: 2 h 42 min
